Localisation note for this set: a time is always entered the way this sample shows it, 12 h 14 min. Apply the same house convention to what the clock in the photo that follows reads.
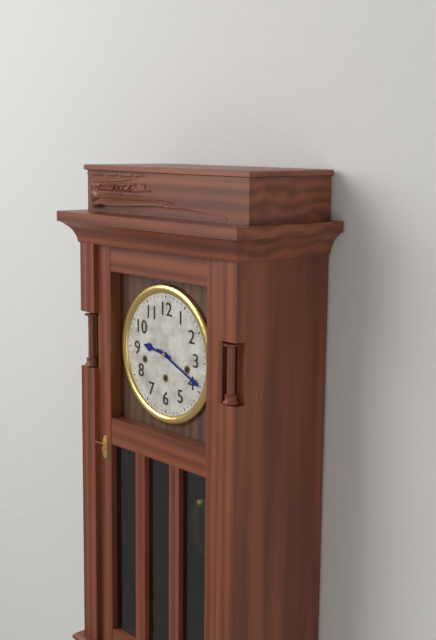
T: 9 h 19 min
